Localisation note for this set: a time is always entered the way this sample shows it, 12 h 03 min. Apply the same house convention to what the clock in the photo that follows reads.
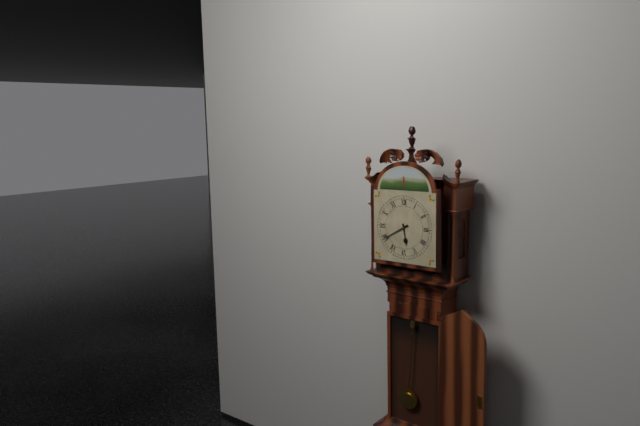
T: 5 h 40 min
